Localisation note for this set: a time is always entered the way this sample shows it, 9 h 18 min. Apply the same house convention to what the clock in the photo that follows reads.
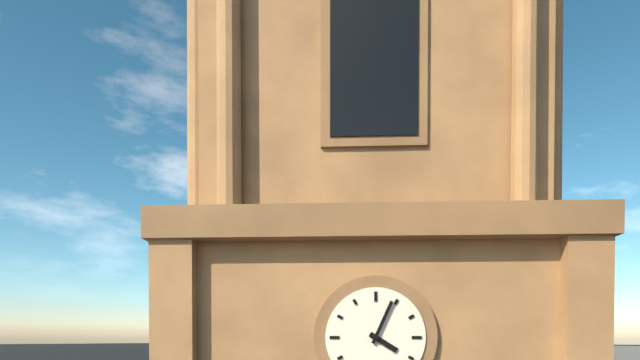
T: 4 h 04 min
